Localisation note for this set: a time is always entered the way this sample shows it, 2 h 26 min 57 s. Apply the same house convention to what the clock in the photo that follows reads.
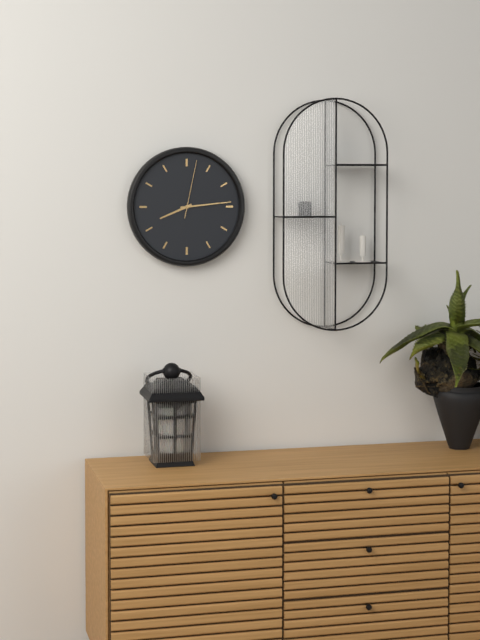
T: 8 h 14 min 02 s
